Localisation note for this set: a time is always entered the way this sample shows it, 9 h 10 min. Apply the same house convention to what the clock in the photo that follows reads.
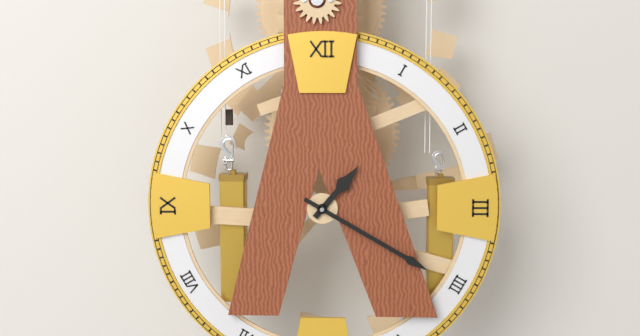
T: 1 h 20 min
